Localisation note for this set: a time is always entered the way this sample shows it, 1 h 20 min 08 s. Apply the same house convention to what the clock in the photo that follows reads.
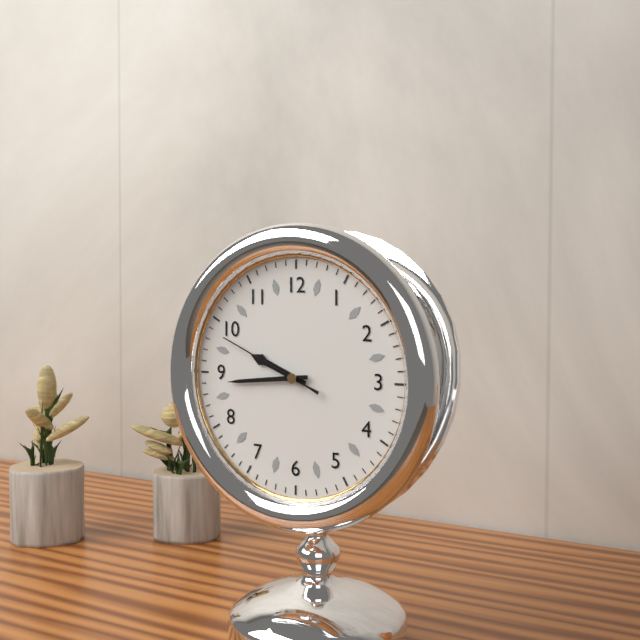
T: 9 h 44 min 49 s
